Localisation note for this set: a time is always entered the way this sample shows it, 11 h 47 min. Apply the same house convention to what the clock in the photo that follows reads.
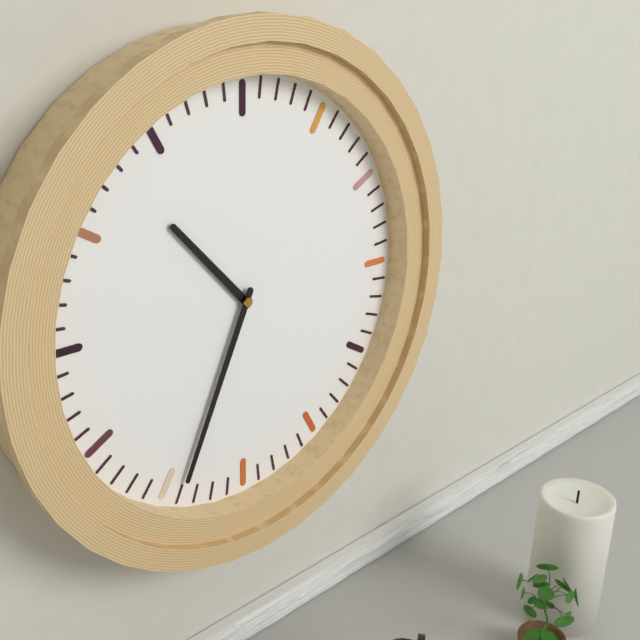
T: 10 h 34 min
